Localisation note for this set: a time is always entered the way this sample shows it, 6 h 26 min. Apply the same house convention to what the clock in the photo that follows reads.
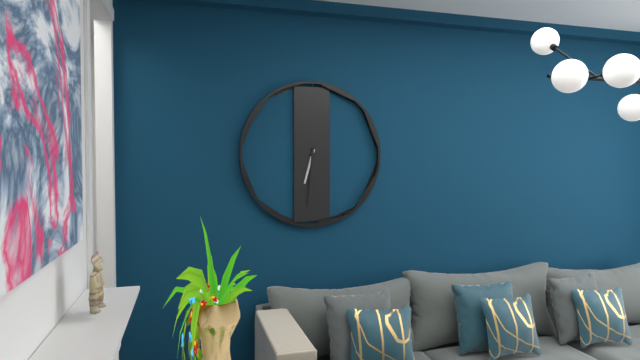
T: 6 h 31 min
